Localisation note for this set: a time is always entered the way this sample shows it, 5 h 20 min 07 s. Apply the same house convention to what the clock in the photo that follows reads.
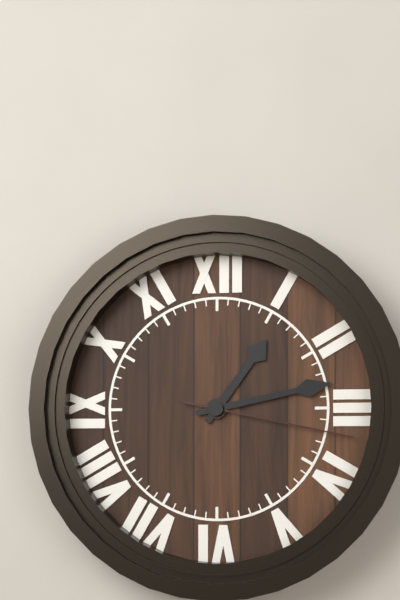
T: 1 h 13 min 17 s
